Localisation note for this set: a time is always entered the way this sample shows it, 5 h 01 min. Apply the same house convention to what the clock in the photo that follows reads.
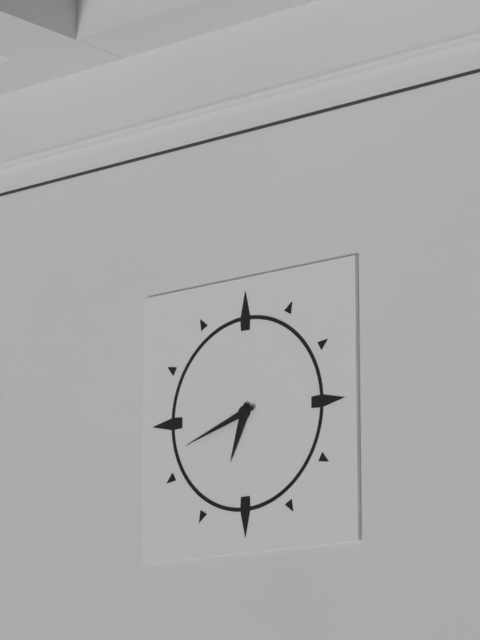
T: 6 h 42 min
